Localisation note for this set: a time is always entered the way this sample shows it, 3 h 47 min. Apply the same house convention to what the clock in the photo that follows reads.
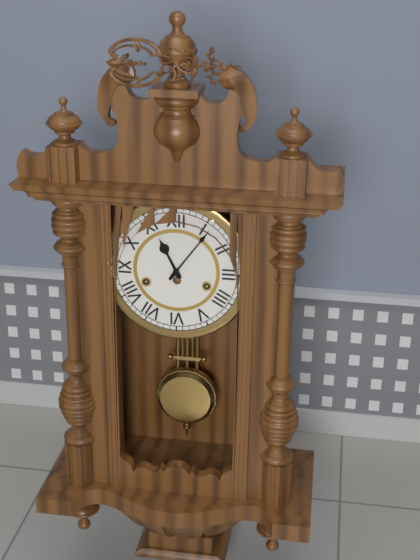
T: 11 h 06 min
